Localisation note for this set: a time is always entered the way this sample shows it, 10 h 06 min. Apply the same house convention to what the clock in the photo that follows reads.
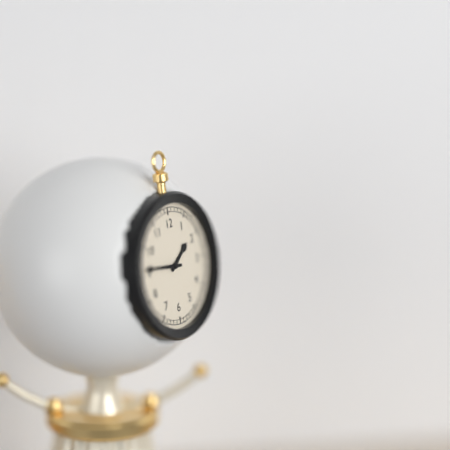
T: 1 h 46 min
